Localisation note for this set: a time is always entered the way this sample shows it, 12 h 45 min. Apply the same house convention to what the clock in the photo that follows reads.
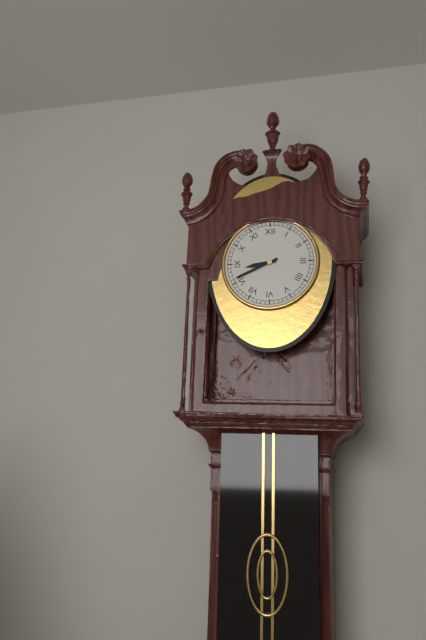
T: 8 h 41 min
